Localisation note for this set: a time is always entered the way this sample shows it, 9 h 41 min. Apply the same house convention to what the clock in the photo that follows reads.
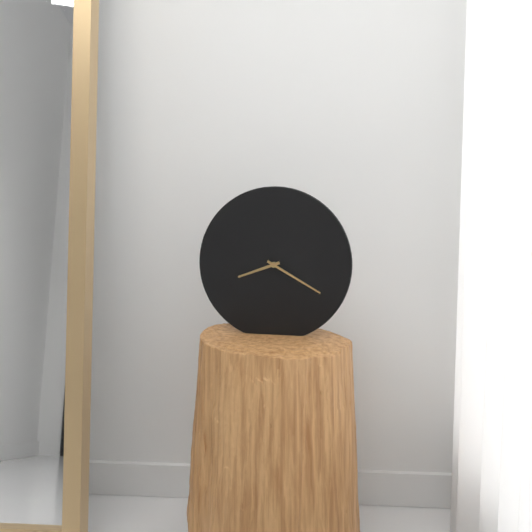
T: 8 h 20 min
